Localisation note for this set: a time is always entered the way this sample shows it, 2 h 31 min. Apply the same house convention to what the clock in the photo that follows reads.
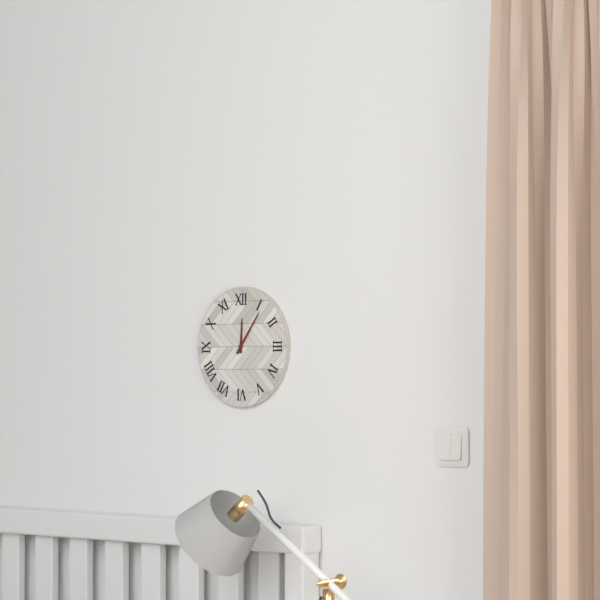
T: 12 h 06 min
